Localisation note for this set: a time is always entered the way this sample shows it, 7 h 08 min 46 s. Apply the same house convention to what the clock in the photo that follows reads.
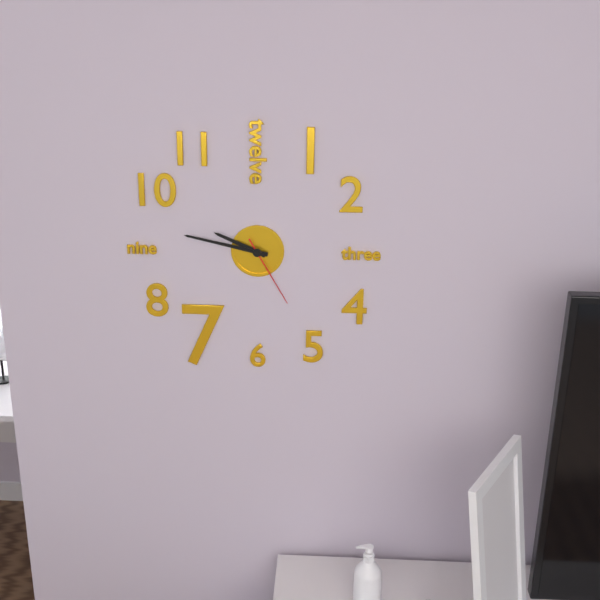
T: 9 h 47 min 25 s
